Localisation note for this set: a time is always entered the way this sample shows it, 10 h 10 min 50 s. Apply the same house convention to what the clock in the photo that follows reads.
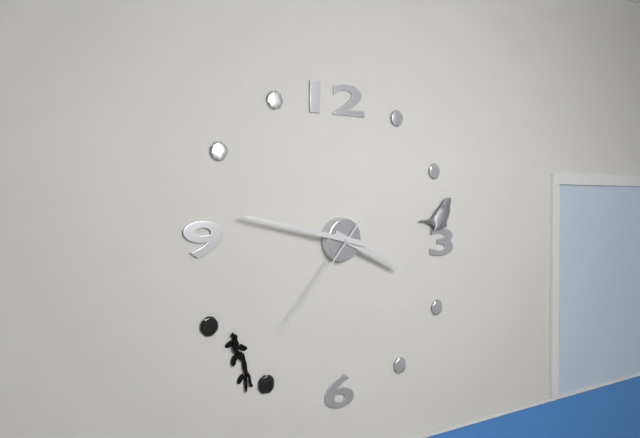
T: 3 h 47 min 37 s
